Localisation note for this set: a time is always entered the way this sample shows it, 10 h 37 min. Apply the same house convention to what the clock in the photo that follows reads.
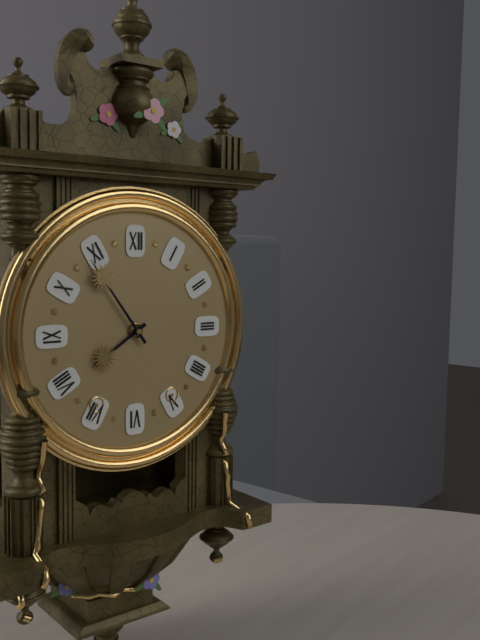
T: 7 h 54 min
